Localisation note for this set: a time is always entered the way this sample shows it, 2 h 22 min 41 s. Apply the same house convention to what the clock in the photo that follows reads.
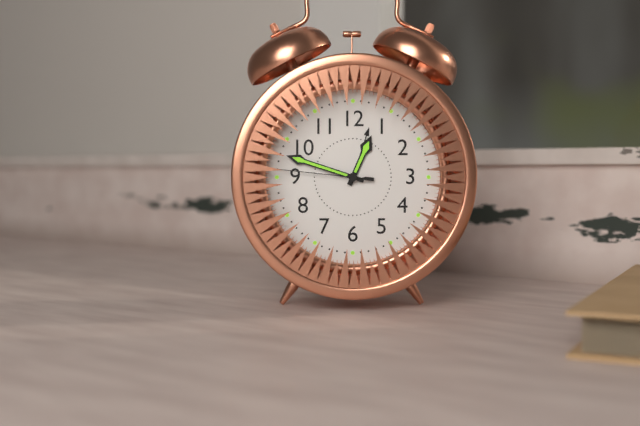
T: 12 h 48 min 46 s
